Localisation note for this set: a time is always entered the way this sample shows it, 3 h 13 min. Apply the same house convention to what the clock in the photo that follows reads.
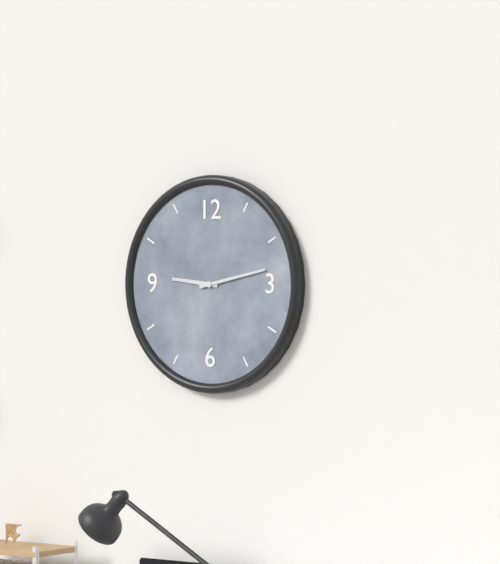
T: 9 h 13 min
